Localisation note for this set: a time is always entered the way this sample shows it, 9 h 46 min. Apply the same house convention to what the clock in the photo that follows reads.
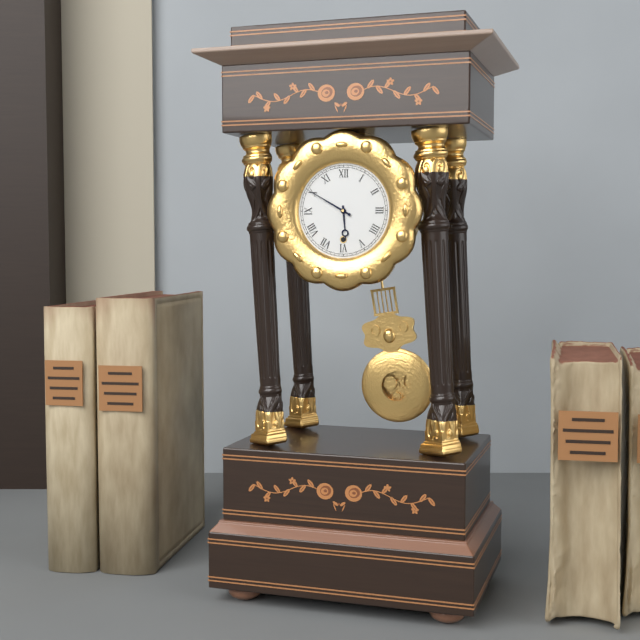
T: 5 h 50 min
